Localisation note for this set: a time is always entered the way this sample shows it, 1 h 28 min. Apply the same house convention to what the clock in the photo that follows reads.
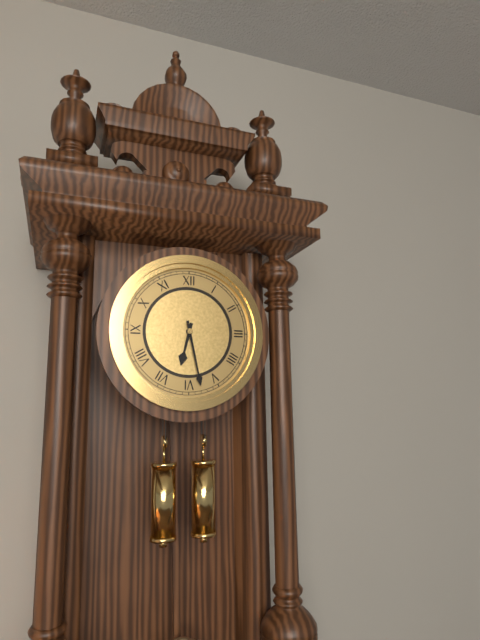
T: 6 h 28 min
